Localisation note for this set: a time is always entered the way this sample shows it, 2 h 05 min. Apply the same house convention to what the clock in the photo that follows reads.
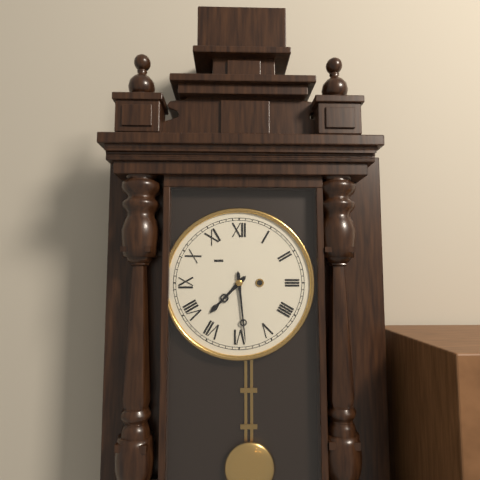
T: 7 h 29 min
